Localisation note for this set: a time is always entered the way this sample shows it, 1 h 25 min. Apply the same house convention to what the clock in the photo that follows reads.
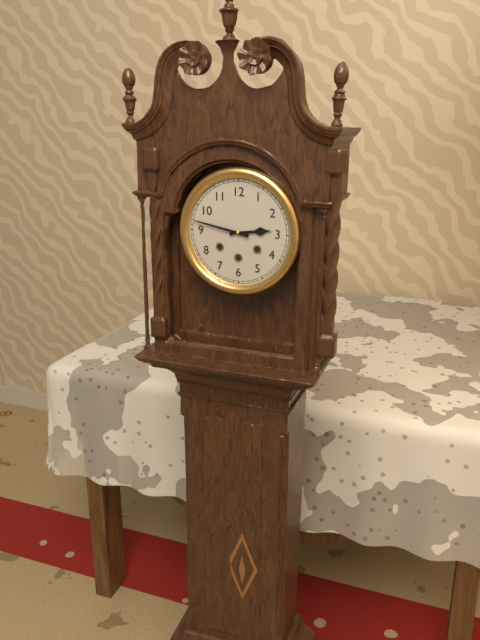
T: 2 h 47 min
